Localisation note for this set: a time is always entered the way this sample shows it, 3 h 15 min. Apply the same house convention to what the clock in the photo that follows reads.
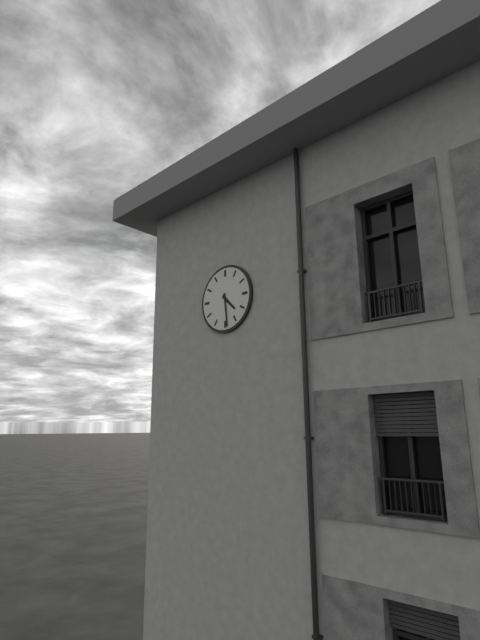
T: 4 h 29 min
